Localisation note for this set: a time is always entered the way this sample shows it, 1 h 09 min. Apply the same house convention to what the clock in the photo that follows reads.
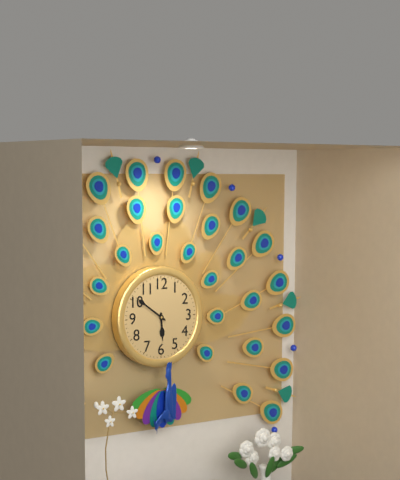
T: 5 h 51 min
